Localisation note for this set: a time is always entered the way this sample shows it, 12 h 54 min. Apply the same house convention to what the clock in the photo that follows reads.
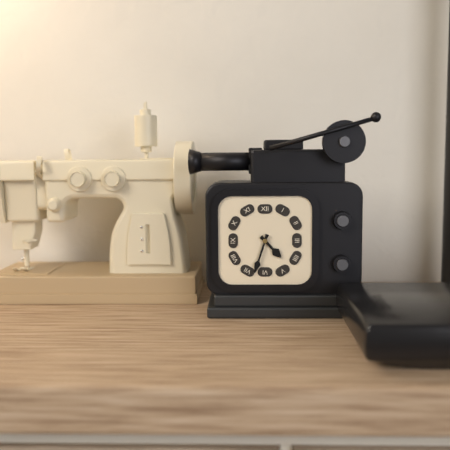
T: 4 h 33 min
